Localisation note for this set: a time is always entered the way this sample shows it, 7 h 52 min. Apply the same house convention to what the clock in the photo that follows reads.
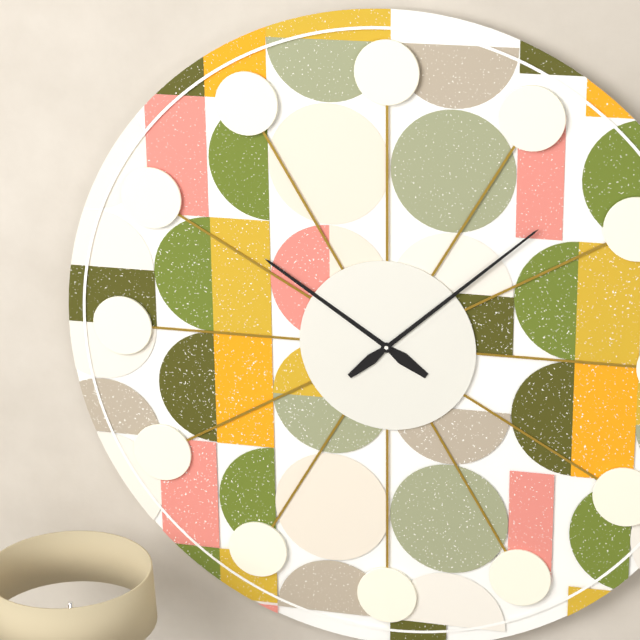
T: 10 h 08 min
